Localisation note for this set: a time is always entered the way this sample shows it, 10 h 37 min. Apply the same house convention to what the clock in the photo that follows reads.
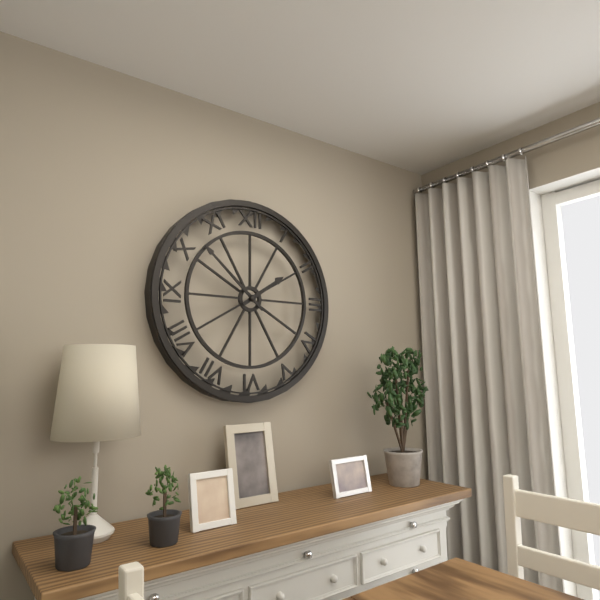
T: 1 h 52 min
